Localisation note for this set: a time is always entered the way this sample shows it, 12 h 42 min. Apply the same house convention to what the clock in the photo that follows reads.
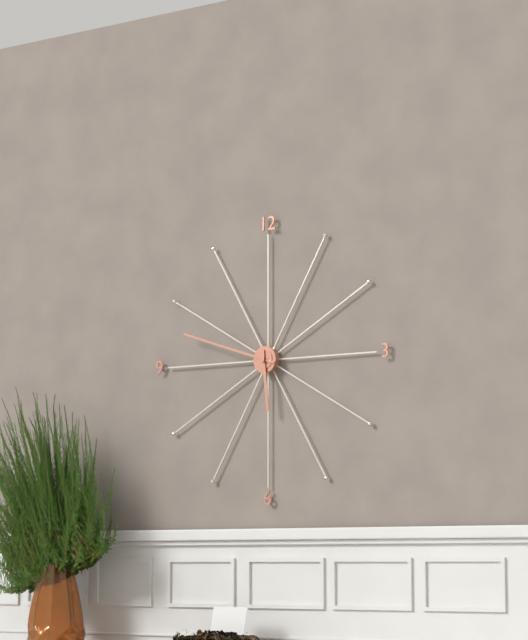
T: 5 h 48 min
